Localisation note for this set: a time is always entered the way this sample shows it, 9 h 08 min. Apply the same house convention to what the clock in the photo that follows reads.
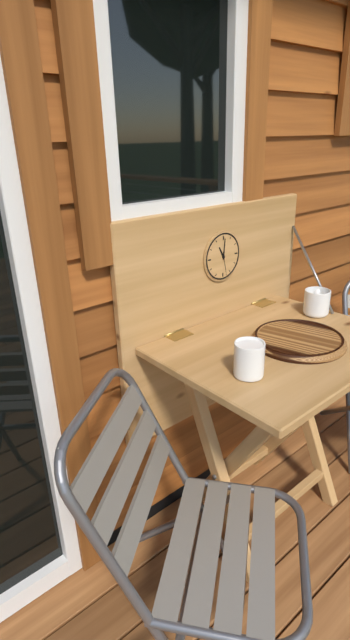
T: 11 h 01 min
